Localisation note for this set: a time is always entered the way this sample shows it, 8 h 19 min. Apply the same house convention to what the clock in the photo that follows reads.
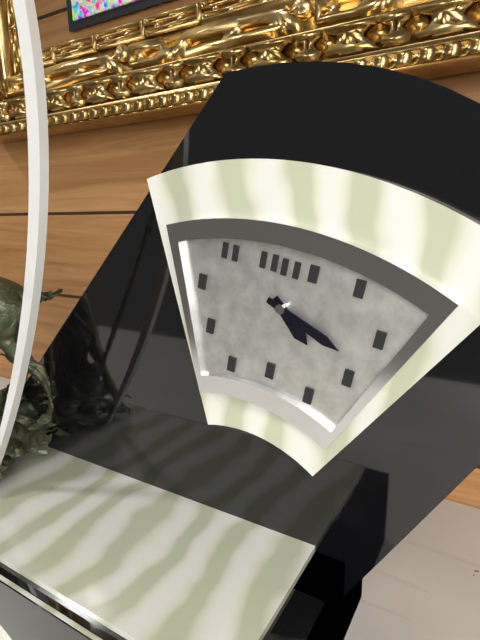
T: 4 h 18 min
